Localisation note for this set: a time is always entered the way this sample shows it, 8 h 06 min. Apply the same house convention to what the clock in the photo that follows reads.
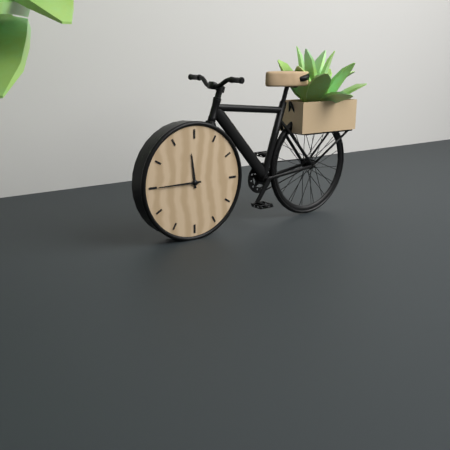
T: 11 h 45 min
